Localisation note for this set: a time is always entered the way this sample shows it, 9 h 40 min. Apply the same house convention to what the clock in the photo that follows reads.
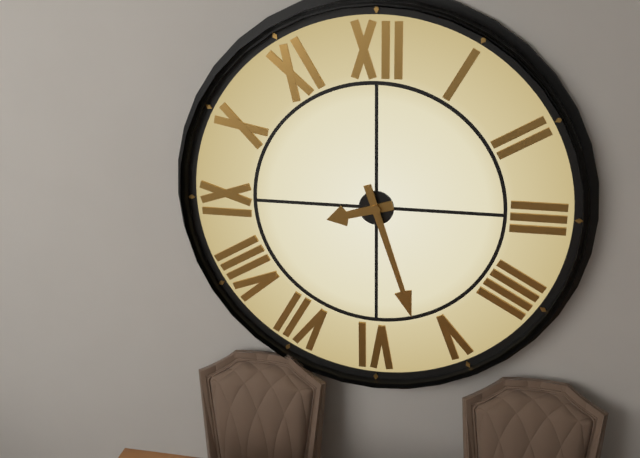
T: 8 h 27 min
